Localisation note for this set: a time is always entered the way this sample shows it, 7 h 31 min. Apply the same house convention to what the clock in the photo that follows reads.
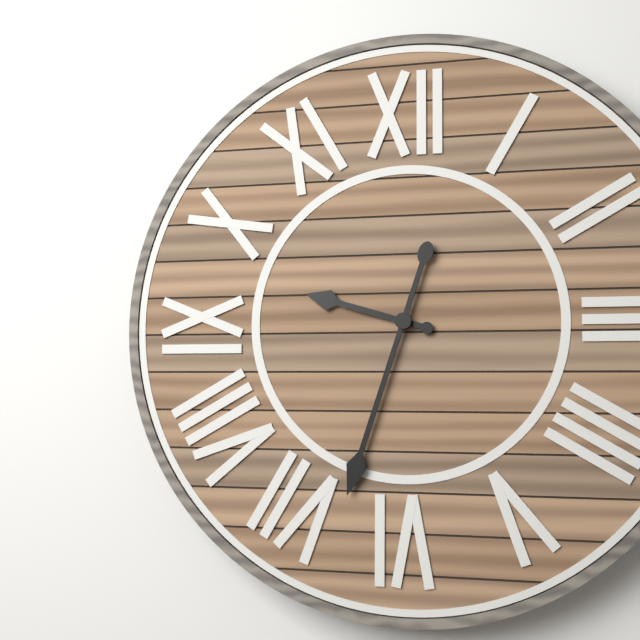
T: 9 h 33 min
